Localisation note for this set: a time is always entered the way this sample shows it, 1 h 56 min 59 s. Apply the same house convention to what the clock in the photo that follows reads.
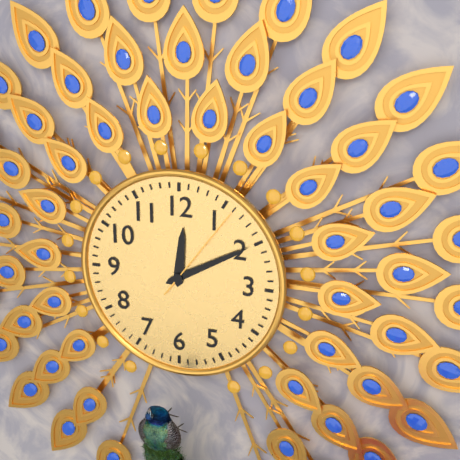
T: 12 h 10 min 06 s
